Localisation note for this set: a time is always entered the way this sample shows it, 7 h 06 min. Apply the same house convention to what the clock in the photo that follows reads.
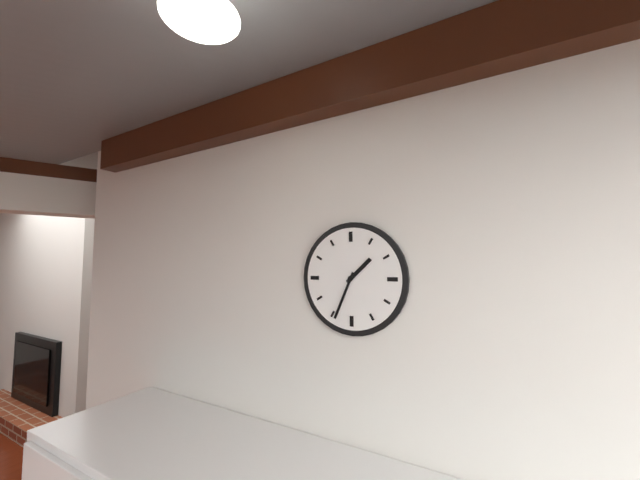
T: 1 h 34 min
